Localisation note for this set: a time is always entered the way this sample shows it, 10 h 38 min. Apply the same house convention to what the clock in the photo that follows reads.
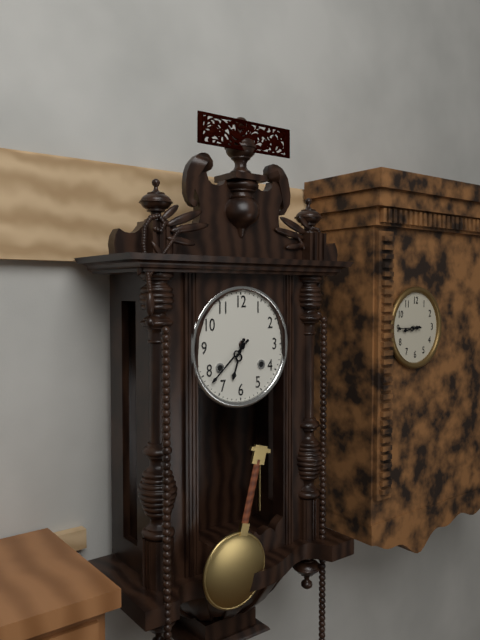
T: 6 h 38 min
